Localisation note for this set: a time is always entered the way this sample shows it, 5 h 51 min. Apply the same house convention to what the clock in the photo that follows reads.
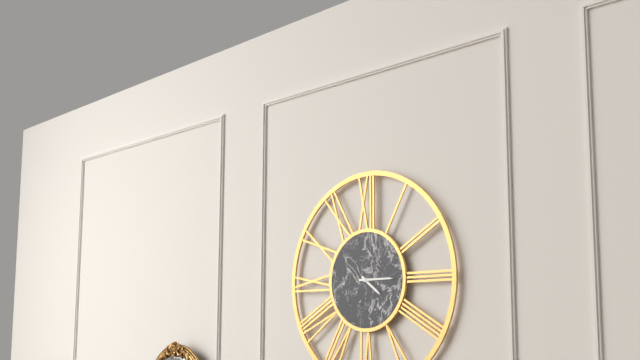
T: 4 h 15 min
